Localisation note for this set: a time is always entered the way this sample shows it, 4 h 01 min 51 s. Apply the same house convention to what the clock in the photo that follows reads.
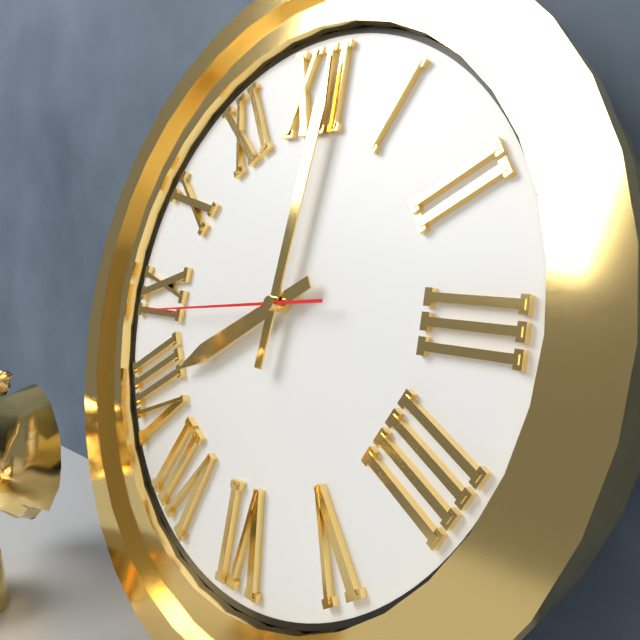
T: 8 h 01 min 44 s
